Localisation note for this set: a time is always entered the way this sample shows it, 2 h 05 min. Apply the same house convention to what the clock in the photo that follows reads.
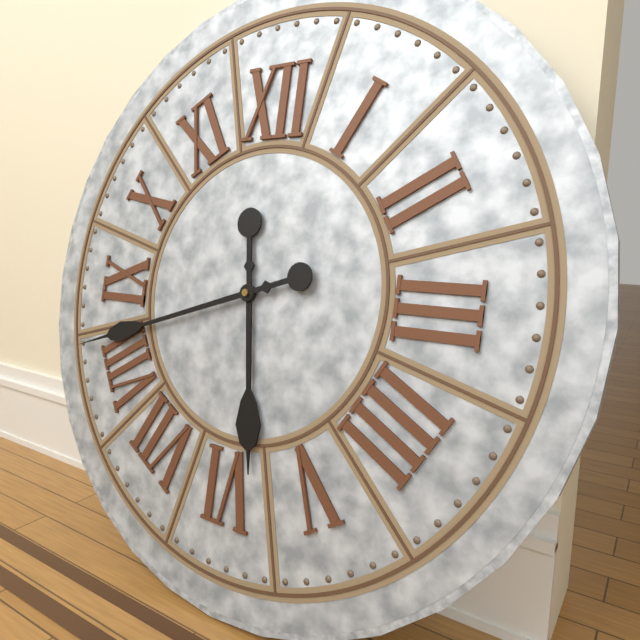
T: 5 h 42 min
